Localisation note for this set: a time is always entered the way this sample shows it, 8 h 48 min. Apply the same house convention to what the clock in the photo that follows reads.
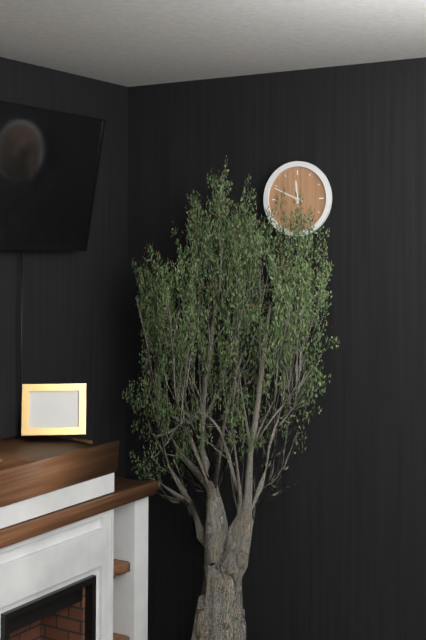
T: 11 h 49 min
